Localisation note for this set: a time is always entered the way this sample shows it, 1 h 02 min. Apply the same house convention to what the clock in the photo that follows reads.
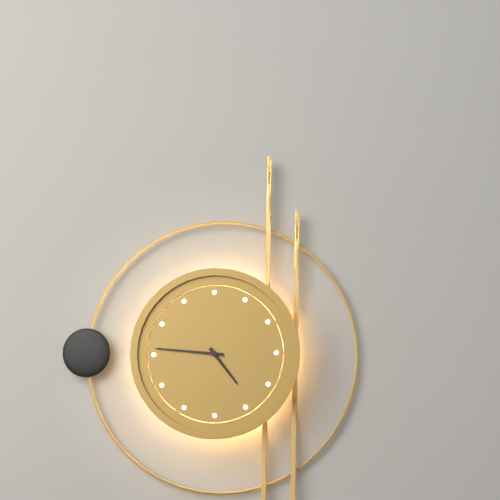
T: 4 h 46 min
